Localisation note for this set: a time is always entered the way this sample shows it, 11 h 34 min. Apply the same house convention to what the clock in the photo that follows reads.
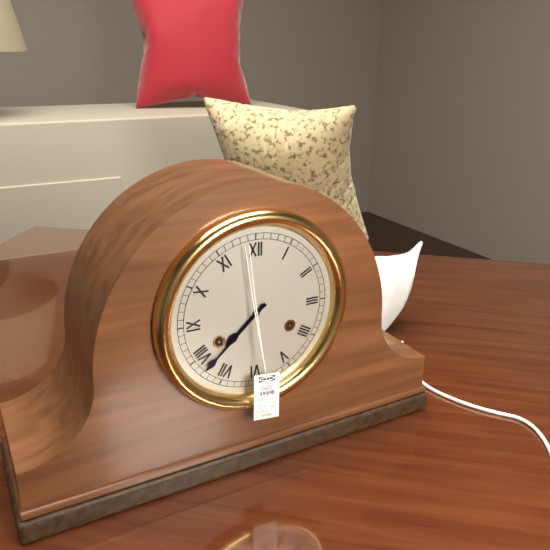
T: 7 h 38 min
